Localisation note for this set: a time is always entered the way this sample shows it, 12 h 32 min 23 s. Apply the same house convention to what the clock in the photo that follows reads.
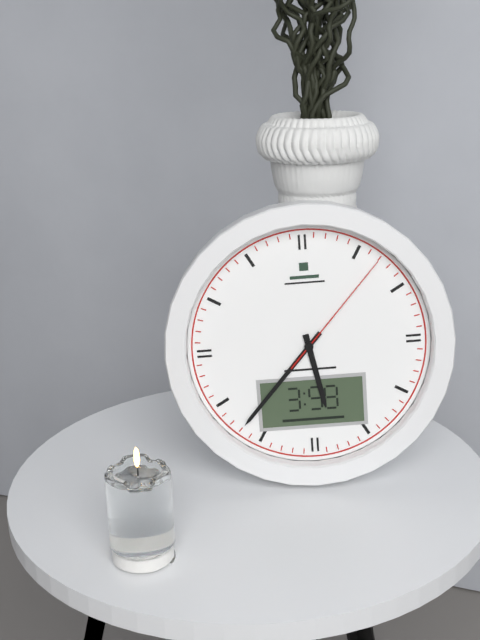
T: 5 h 37 min 07 s
